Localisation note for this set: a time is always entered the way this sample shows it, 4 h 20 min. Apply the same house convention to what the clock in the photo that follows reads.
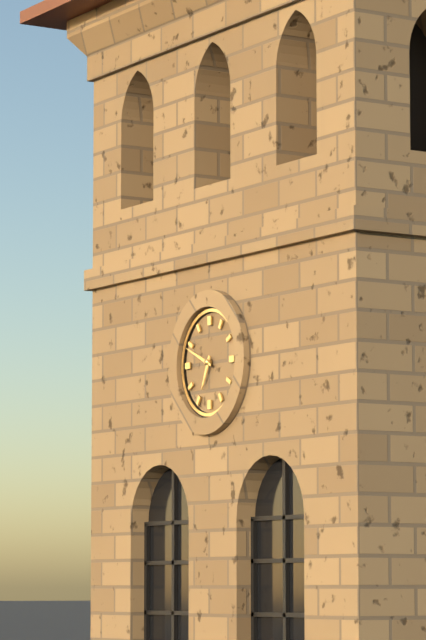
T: 6 h 49 min
